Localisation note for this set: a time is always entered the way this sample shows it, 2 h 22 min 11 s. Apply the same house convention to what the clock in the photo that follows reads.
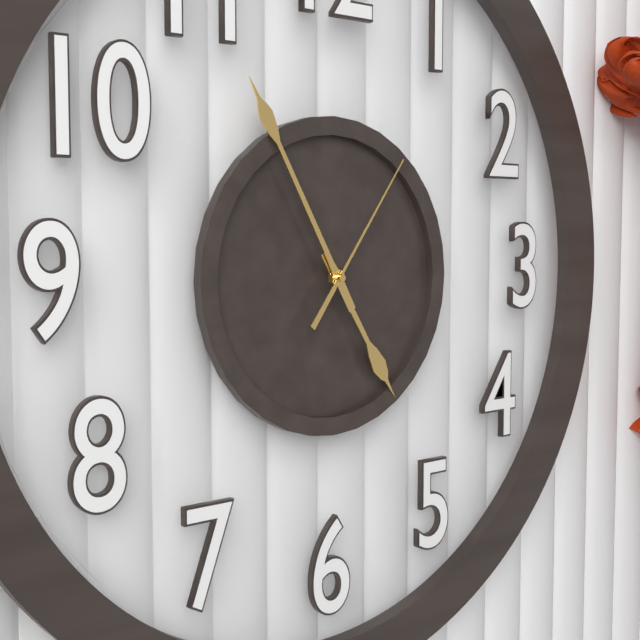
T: 4 h 55 min 06 s
